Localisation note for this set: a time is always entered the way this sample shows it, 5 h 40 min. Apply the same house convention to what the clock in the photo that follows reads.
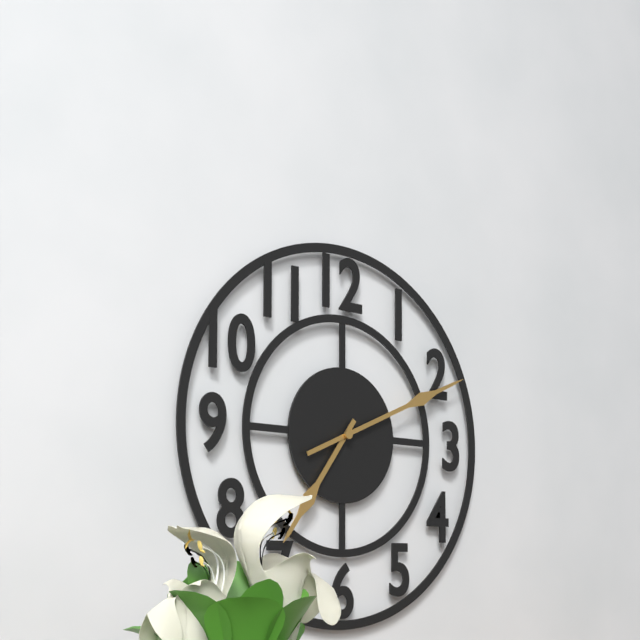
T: 7 h 11 min
